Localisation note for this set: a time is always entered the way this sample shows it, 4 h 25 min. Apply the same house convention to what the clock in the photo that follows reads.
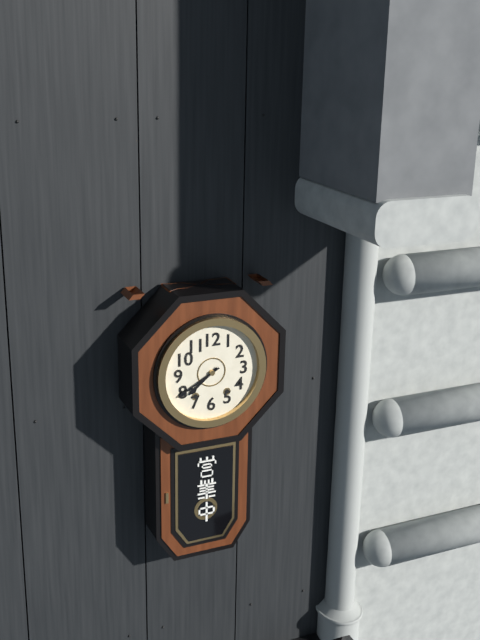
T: 7 h 40 min
